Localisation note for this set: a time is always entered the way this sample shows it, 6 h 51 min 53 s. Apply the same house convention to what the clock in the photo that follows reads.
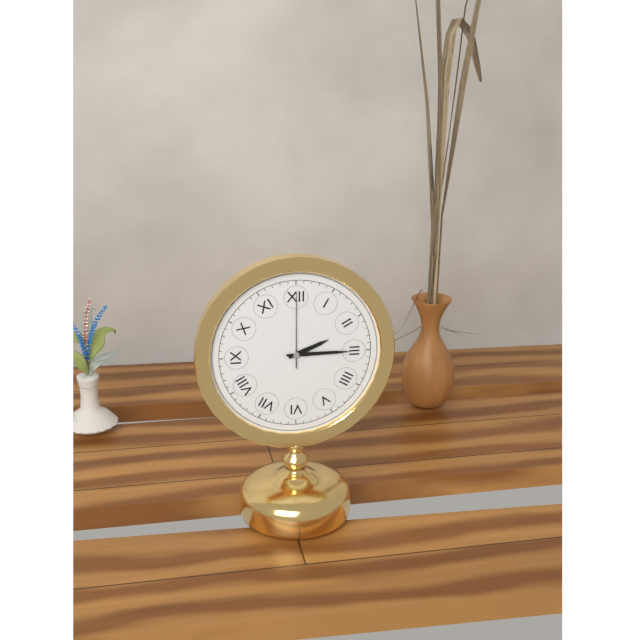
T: 2 h 15 min 00 s
